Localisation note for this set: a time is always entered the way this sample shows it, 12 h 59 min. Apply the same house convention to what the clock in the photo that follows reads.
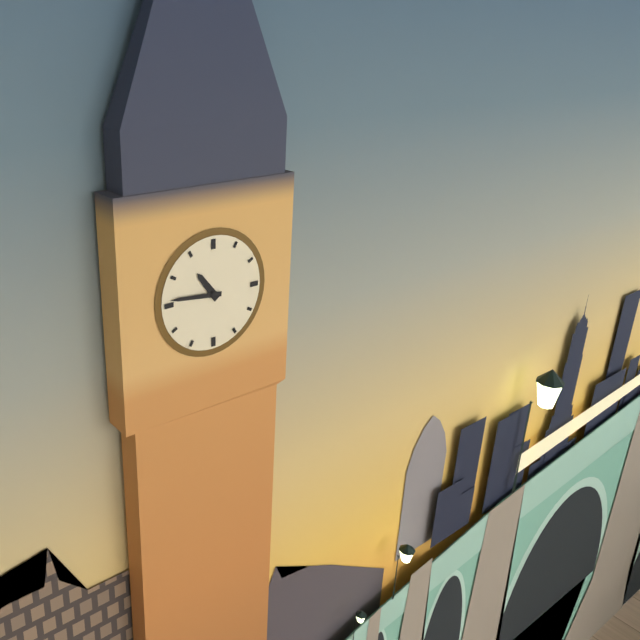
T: 10 h 46 min
